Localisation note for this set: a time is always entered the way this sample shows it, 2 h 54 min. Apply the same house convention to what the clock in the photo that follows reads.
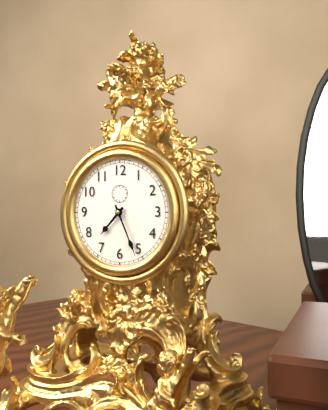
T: 7 h 26 min
